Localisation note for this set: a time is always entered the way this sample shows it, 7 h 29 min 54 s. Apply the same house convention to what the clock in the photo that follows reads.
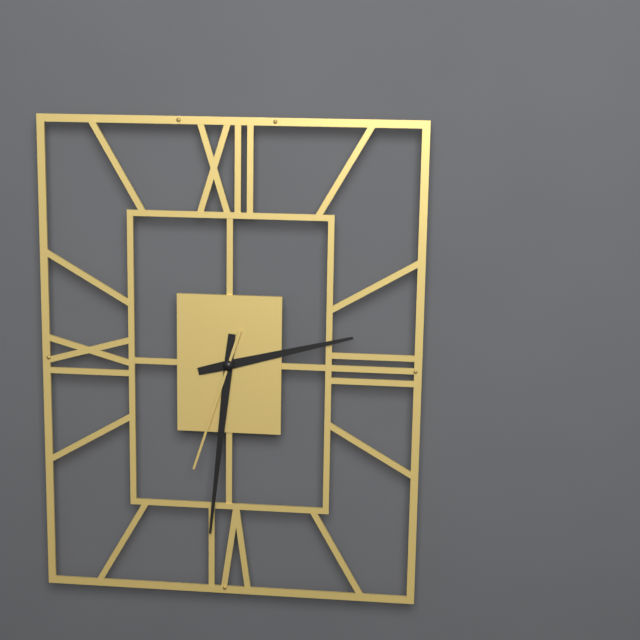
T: 2 h 31 min 33 s
